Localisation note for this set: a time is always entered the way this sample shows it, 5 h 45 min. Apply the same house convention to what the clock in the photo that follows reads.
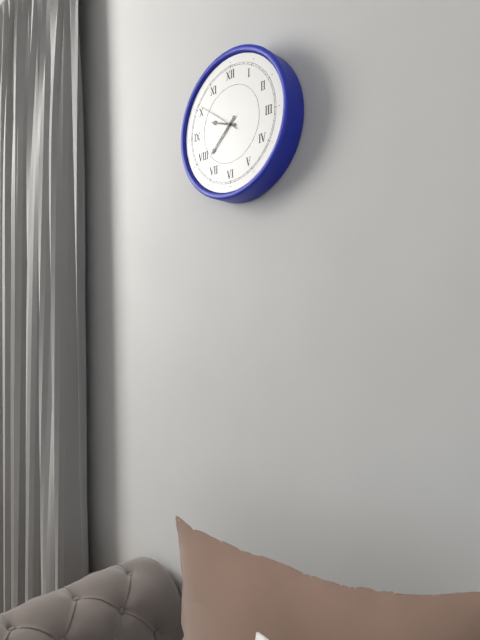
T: 9 h 38 min
